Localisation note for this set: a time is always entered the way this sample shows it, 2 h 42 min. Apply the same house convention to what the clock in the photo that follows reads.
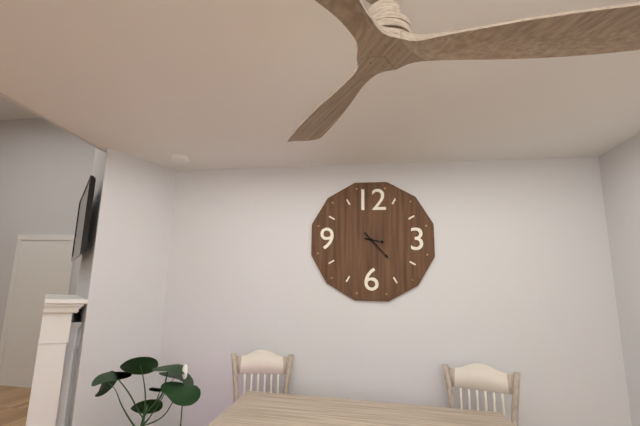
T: 3 h 23 min
